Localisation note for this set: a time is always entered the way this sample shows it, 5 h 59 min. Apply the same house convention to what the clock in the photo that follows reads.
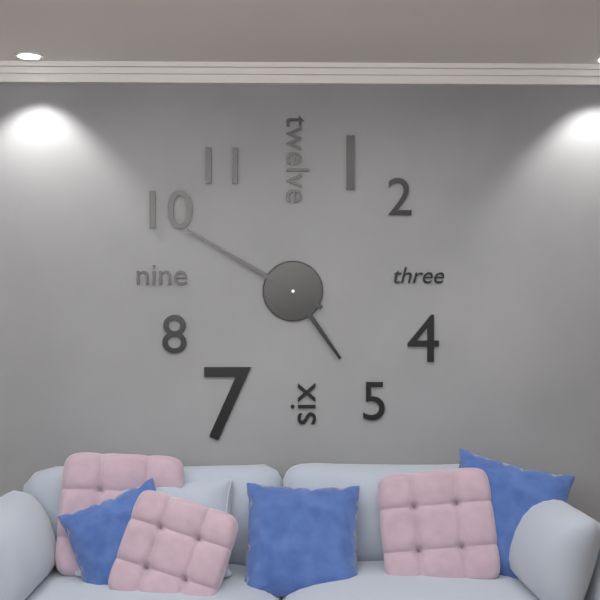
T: 4 h 50 min
